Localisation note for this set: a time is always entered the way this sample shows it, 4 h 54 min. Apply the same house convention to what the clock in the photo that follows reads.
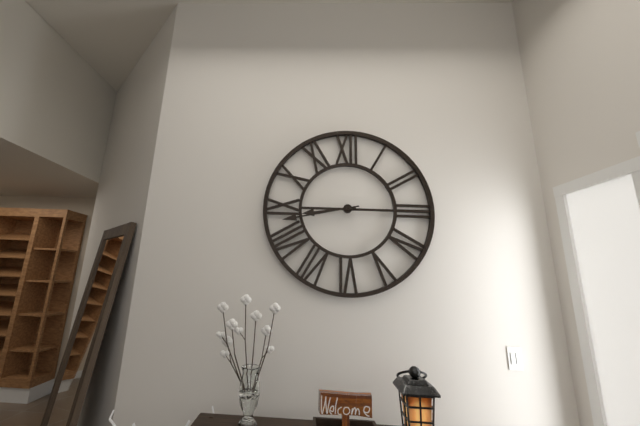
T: 8 h 43 min
